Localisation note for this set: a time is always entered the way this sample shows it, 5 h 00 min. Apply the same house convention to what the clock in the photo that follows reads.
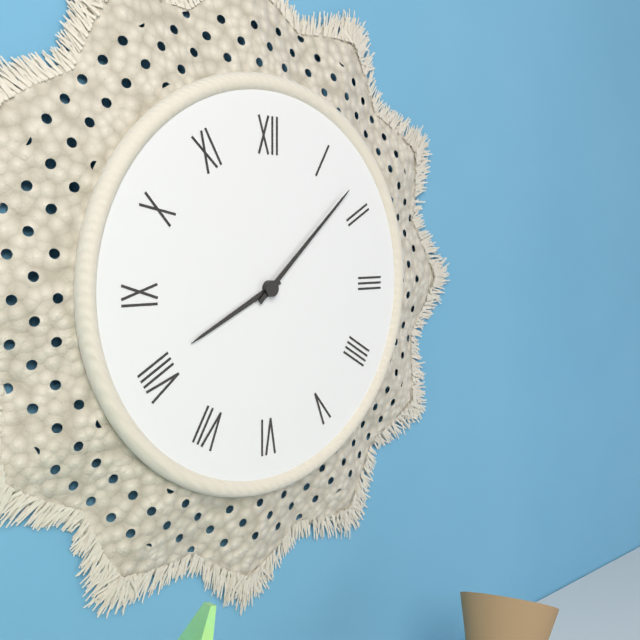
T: 8 h 08 min
